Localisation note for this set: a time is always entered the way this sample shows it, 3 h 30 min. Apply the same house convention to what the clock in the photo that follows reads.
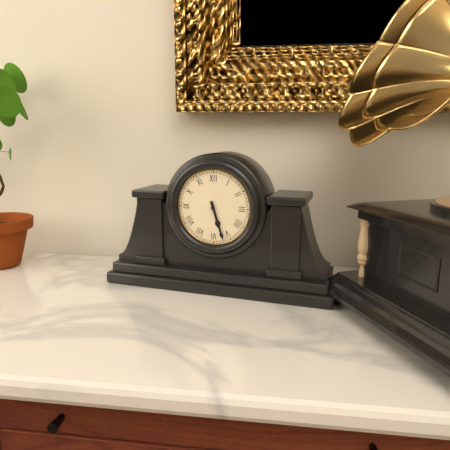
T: 5 h 27 min
